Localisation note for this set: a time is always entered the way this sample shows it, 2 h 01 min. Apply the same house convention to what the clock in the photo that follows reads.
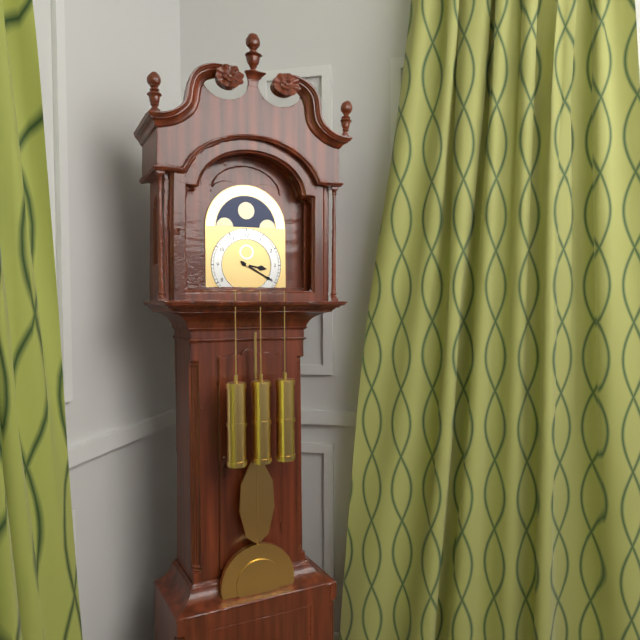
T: 3 h 20 min
